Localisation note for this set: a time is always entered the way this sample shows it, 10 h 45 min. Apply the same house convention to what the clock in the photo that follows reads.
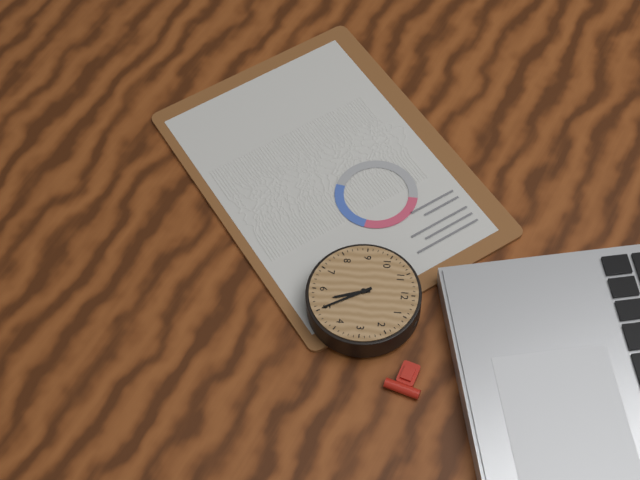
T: 5 h 25 min
